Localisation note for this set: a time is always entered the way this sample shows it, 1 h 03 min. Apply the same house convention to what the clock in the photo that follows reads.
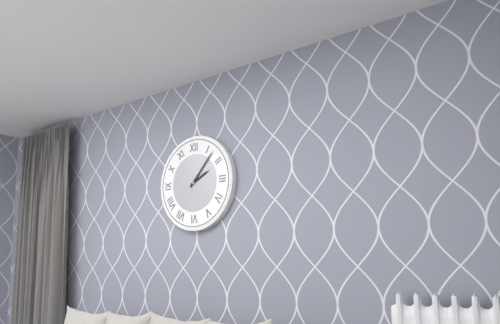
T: 2 h 07 min
